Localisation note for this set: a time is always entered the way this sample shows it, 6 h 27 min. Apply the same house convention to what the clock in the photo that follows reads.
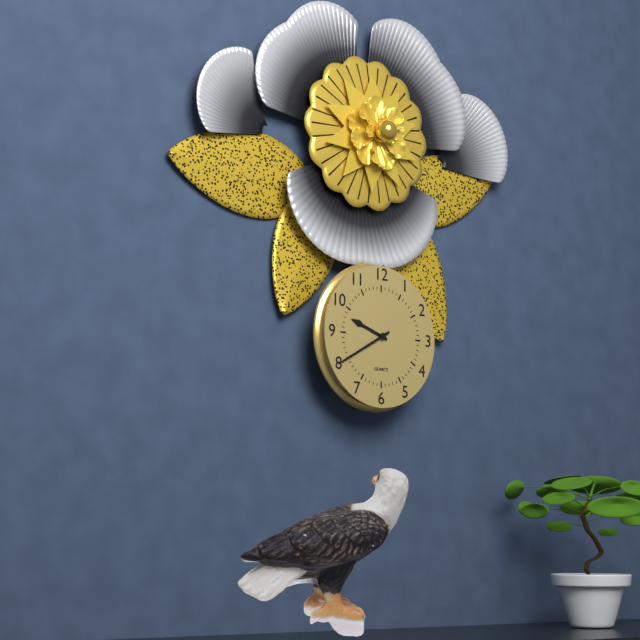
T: 9 h 40 min
